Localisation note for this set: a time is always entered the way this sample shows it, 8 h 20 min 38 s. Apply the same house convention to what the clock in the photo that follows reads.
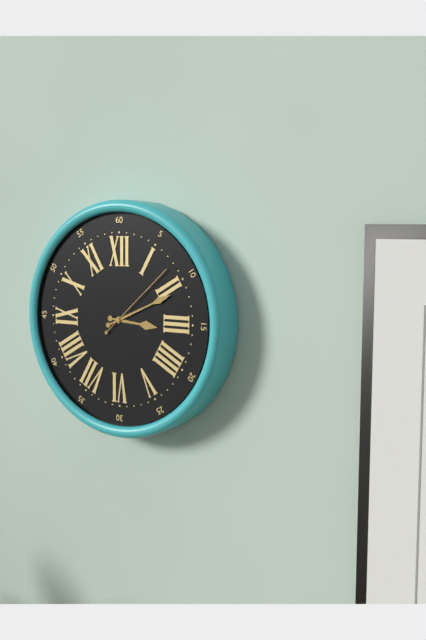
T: 3 h 11 min 08 s
